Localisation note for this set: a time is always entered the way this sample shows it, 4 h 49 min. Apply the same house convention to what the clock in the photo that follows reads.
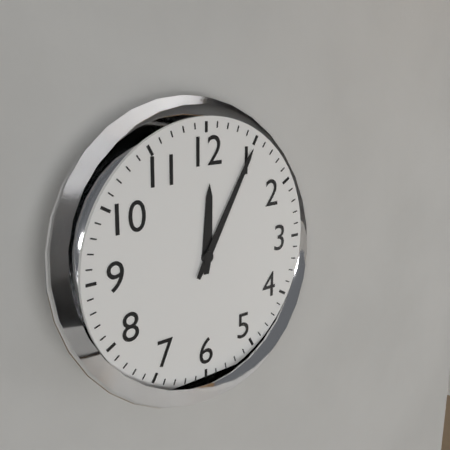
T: 12 h 05 min
